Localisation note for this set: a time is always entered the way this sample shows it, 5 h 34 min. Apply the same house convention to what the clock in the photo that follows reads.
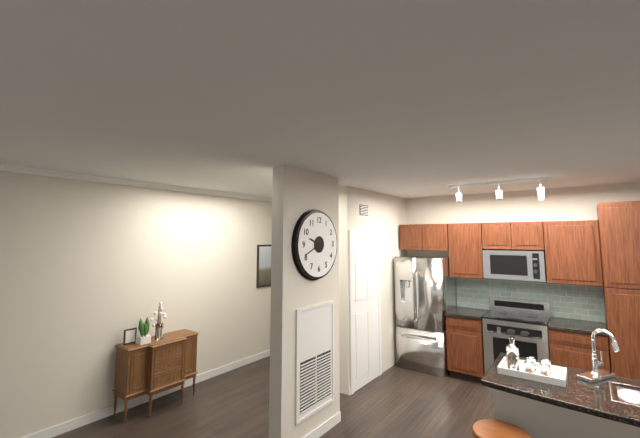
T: 9 h 41 min
